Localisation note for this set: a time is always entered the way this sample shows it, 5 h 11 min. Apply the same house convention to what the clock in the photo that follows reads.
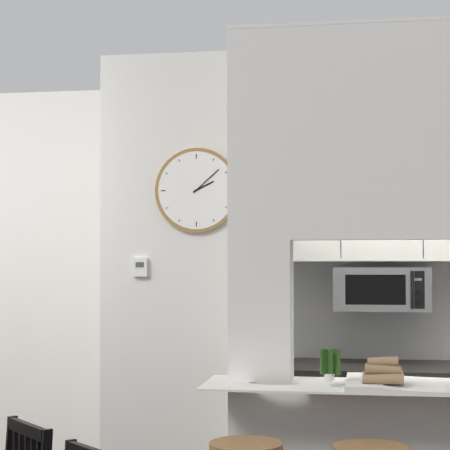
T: 2 h 08 min
